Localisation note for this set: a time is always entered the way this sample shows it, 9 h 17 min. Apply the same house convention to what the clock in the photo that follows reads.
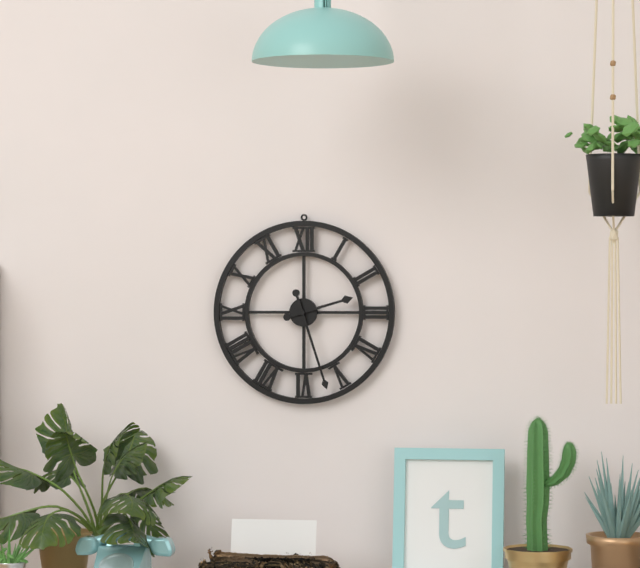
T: 2 h 27 min
